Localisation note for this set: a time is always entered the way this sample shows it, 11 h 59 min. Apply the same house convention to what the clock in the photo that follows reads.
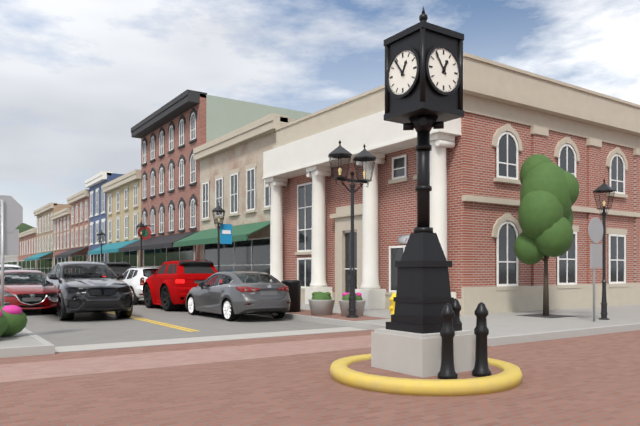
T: 12 h 54 min
